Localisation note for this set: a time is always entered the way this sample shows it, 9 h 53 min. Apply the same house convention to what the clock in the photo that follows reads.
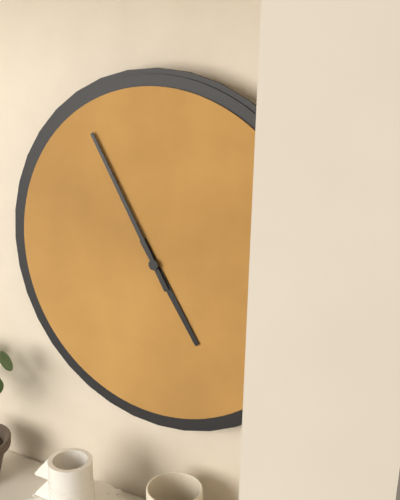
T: 4 h 55 min
